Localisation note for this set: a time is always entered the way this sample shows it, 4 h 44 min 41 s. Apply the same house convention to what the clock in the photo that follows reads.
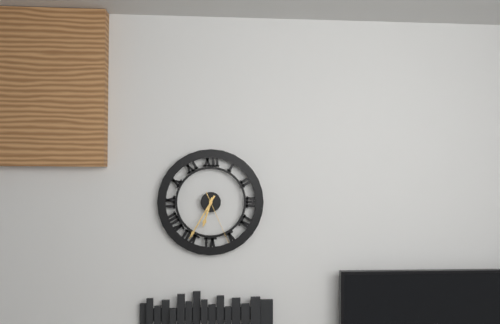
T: 6 h 35 min 26 s
